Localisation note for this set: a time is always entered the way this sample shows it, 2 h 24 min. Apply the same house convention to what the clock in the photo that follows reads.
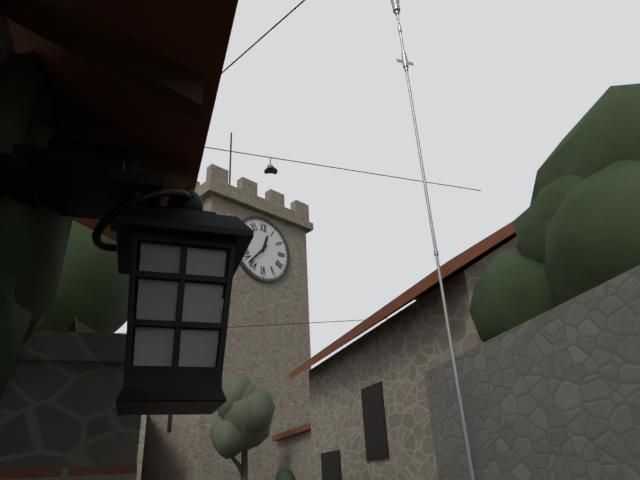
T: 12 h 37 min
